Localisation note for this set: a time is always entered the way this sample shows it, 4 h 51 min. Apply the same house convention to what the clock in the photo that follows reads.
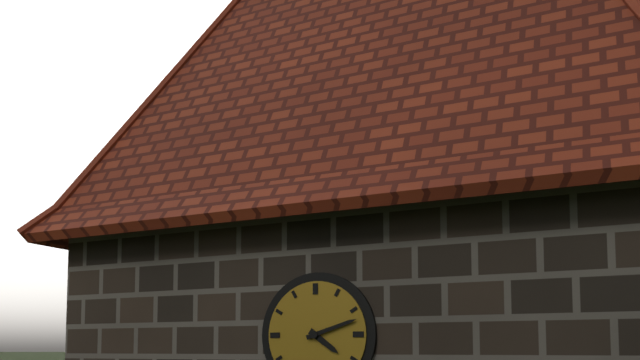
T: 4 h 12 min
